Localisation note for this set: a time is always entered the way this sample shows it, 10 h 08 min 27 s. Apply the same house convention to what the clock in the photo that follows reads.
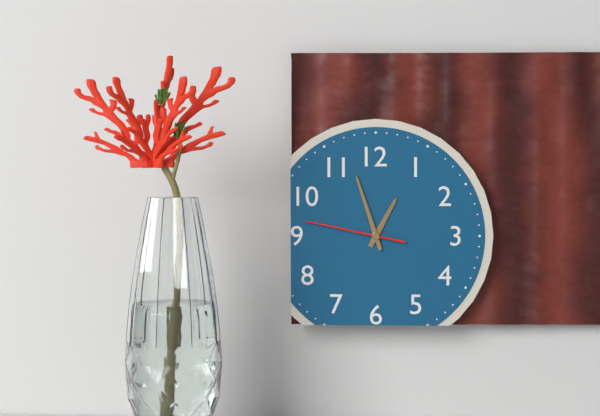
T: 12 h 57 min 47 s
